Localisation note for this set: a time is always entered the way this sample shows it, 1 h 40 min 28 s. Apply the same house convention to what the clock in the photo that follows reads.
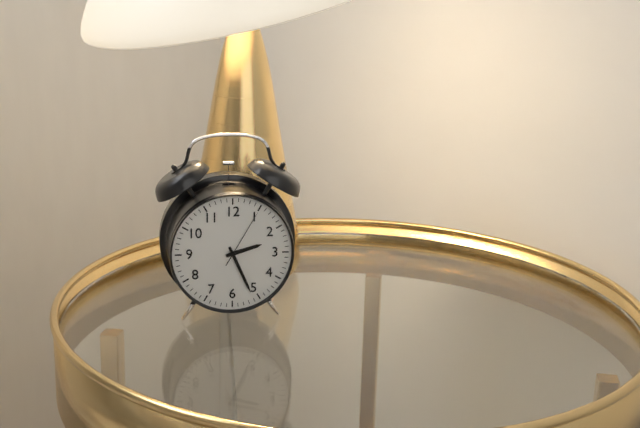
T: 2 h 26 min 05 s
